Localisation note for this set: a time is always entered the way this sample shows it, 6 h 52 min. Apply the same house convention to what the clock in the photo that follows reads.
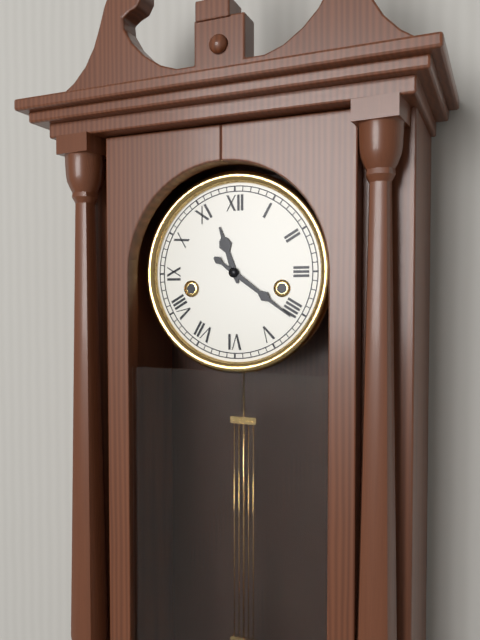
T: 11 h 21 min
